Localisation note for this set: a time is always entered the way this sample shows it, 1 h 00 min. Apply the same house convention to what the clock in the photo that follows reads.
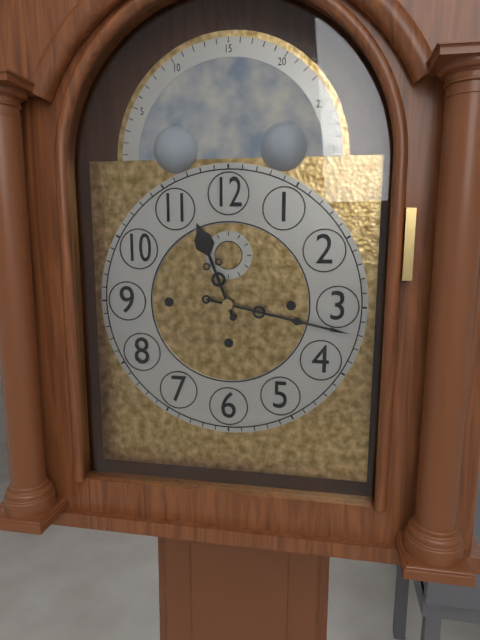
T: 11 h 17 min
